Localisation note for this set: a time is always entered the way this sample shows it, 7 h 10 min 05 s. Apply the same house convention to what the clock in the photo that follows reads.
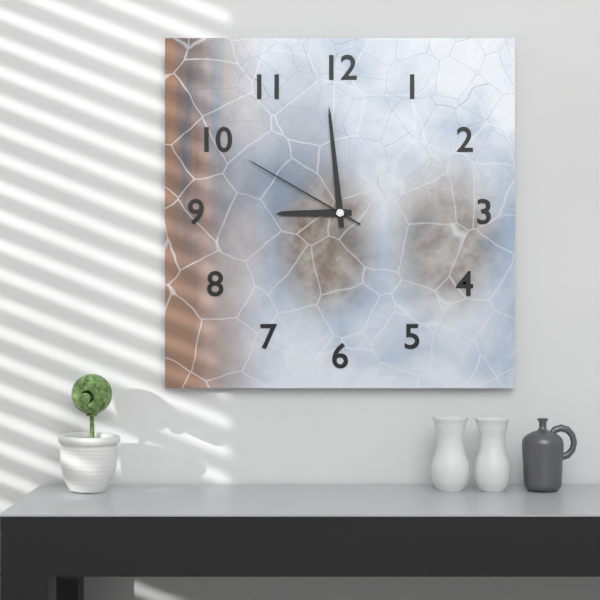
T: 8 h 59 min 50 s
